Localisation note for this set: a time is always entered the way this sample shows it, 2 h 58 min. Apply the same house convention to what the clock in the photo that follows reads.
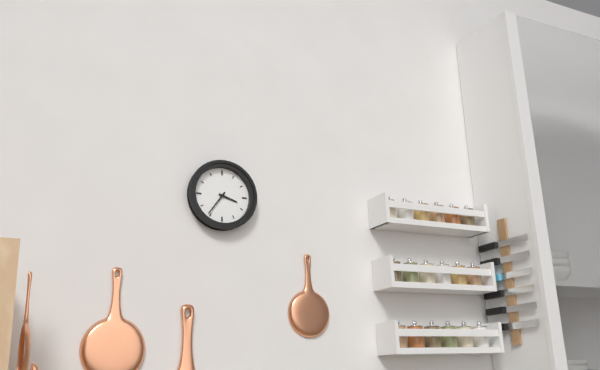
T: 3 h 36 min
